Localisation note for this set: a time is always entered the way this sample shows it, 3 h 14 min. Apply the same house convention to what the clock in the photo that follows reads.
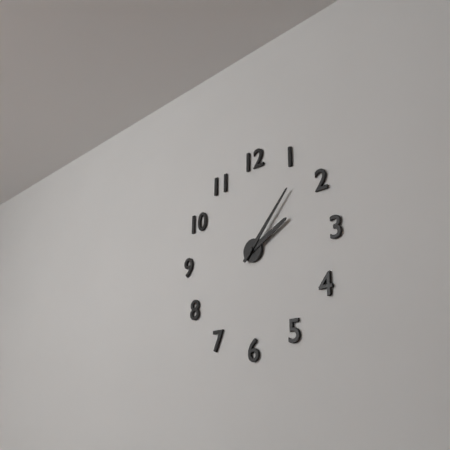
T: 2 h 07 min
